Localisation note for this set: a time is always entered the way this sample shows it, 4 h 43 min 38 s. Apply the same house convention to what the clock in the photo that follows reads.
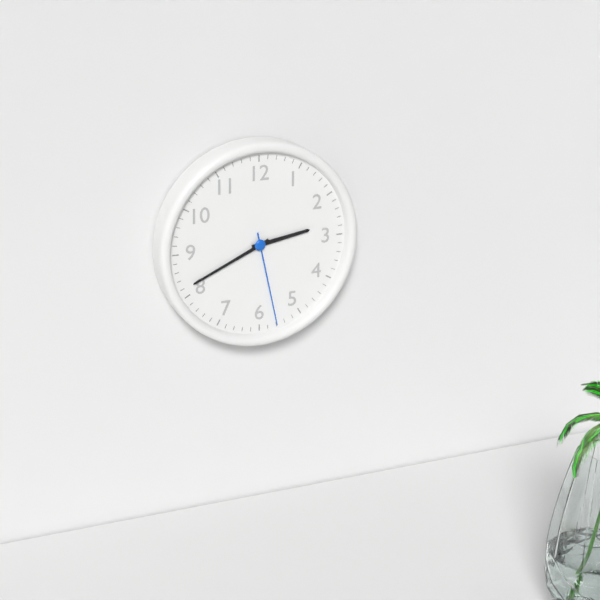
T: 2 h 41 min 28 s
